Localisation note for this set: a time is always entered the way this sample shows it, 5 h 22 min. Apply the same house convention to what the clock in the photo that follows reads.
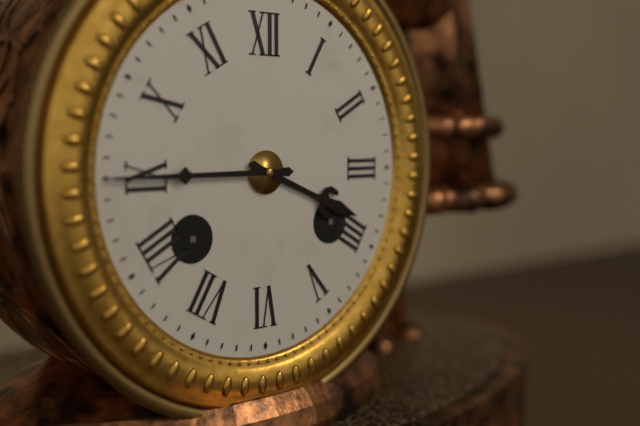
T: 3 h 45 min
